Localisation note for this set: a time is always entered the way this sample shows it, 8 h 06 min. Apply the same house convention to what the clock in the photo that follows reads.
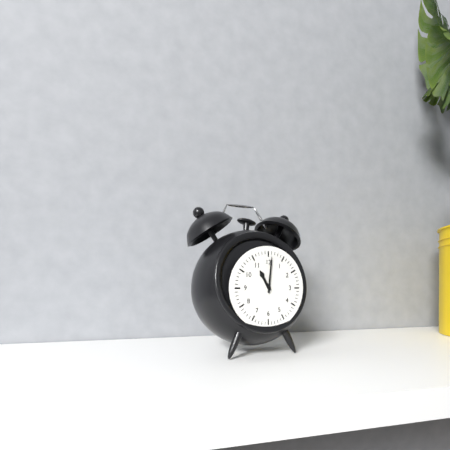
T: 11 h 01 min
